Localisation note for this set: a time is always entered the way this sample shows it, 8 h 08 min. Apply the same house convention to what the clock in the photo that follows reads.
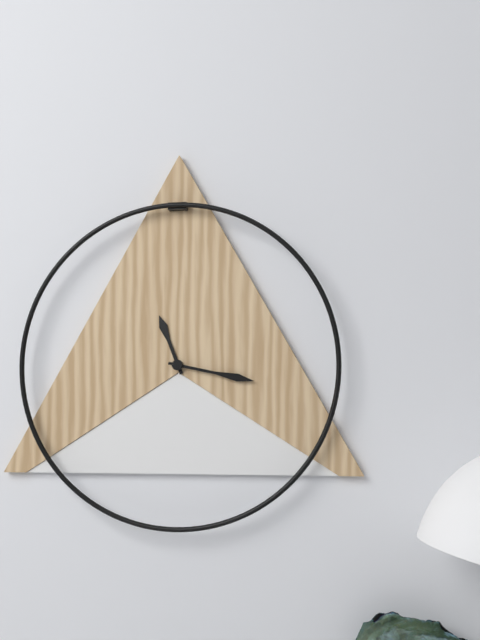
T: 11 h 17 min
